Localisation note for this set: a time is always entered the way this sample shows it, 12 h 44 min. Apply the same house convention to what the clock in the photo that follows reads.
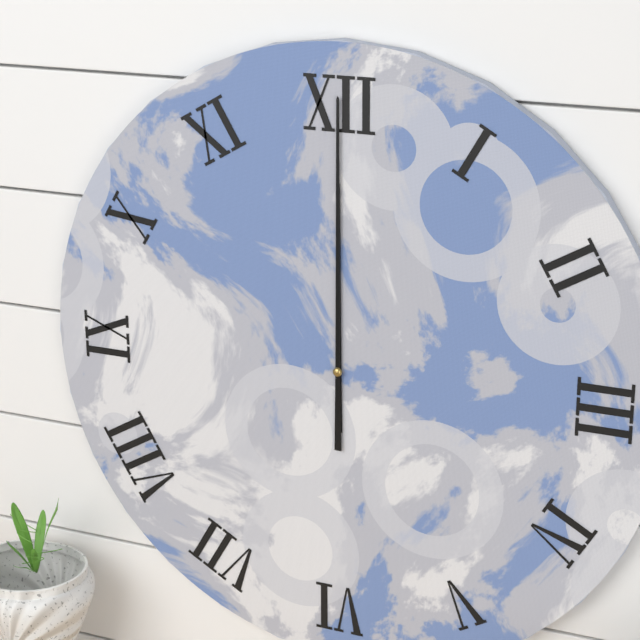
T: 12 h 00 min
